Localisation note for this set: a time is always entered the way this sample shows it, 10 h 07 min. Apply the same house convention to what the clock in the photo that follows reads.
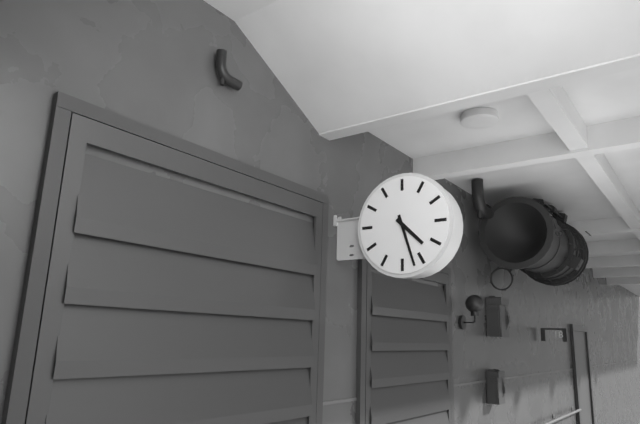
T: 4 h 27 min
